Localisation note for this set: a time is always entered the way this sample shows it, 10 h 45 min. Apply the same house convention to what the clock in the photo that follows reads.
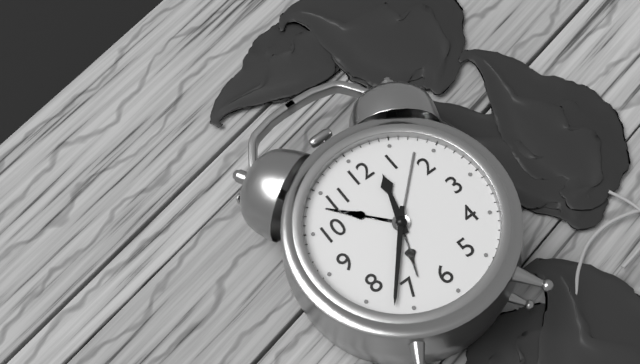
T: 12 h 37 min
